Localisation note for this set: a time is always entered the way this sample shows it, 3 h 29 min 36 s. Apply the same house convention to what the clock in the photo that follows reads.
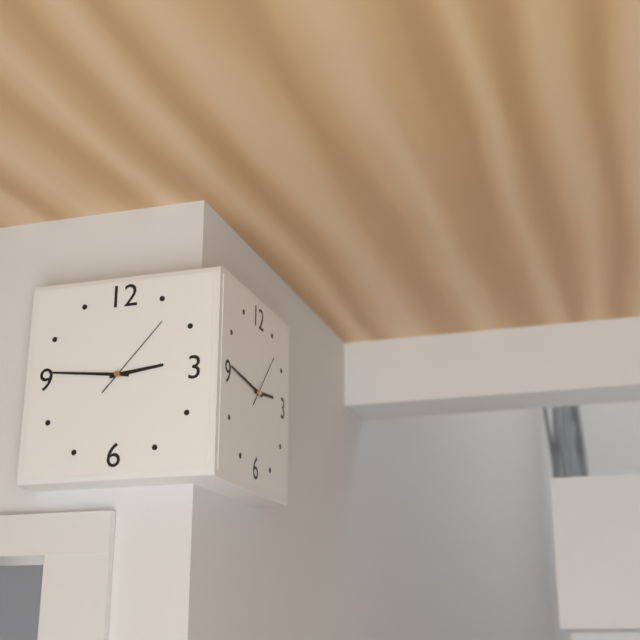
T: 2 h 46 min 07 s
